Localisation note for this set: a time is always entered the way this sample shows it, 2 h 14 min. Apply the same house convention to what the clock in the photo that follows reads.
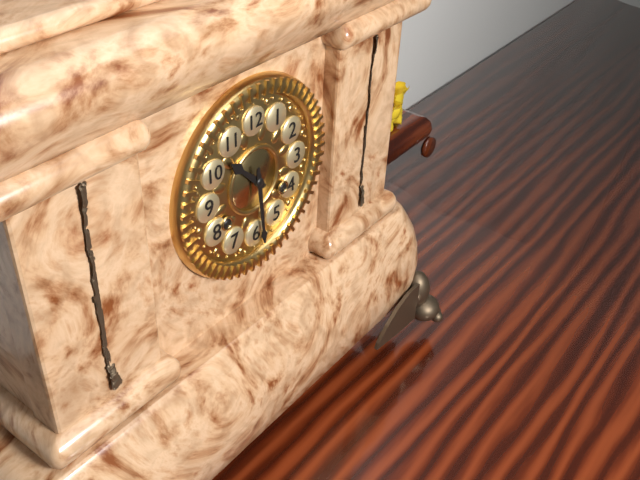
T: 10 h 29 min
